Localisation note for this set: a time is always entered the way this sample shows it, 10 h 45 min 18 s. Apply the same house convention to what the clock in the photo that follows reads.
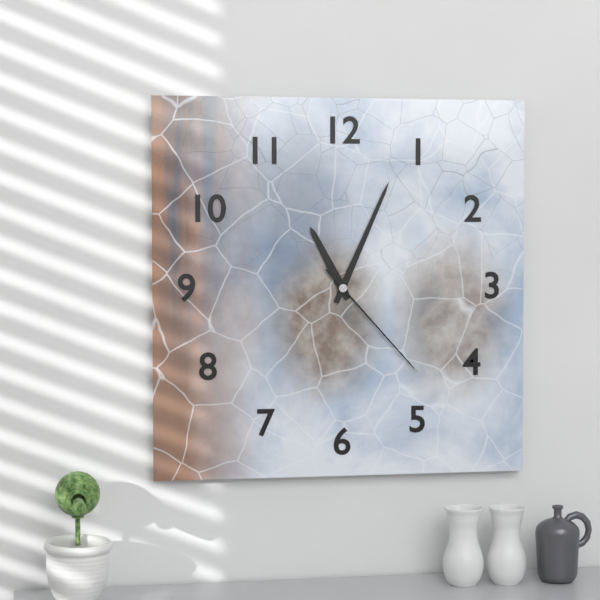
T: 11 h 04 min 23 s
